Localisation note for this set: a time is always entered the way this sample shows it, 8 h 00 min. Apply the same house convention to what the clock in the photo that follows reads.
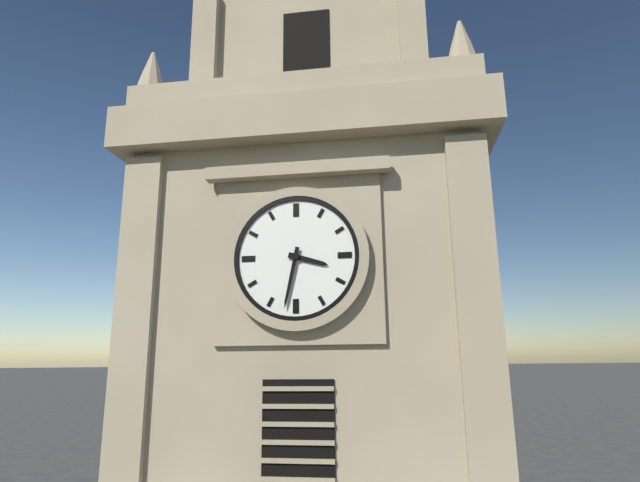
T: 3 h 32 min
